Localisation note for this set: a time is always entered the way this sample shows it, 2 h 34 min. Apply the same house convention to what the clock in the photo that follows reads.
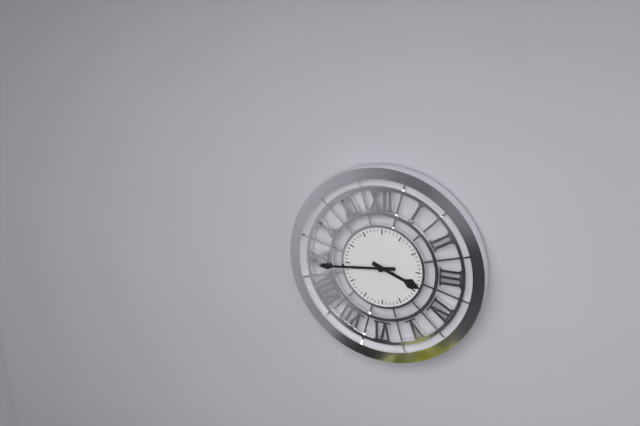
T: 3 h 44 min
